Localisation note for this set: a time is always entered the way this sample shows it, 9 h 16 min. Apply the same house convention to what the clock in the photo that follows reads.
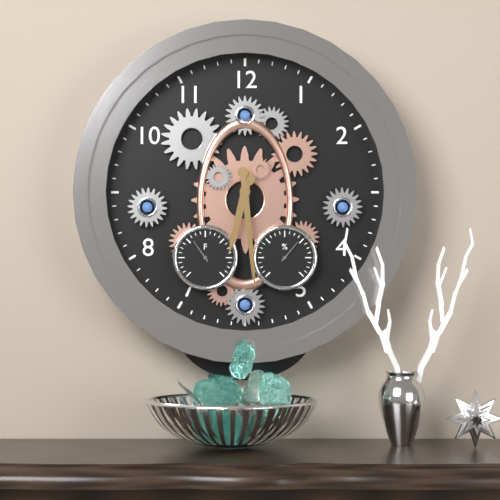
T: 6 h 29 min
